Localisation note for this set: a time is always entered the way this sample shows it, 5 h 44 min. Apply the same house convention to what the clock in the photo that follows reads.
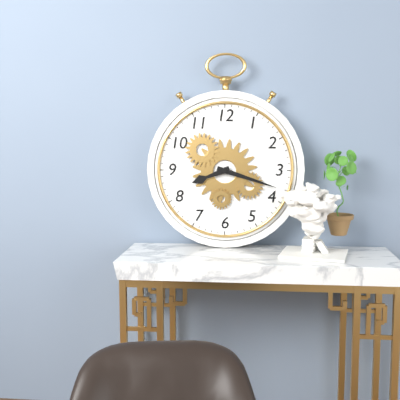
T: 8 h 18 min
